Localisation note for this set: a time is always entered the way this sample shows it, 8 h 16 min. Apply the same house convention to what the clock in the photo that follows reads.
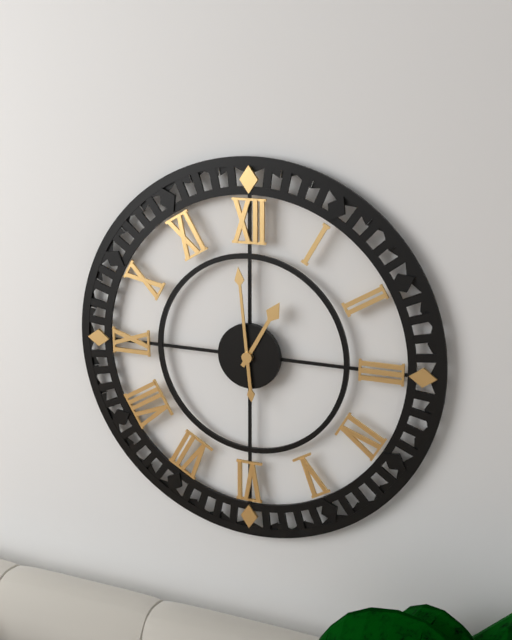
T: 12 h 59 min
